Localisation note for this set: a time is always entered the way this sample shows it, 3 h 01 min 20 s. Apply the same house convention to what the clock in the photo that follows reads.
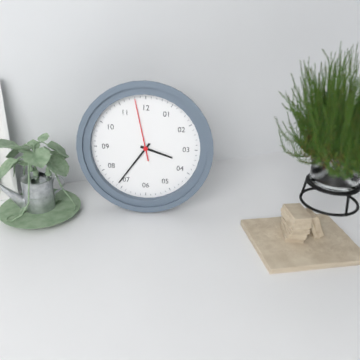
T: 3 h 36 min 58 s
